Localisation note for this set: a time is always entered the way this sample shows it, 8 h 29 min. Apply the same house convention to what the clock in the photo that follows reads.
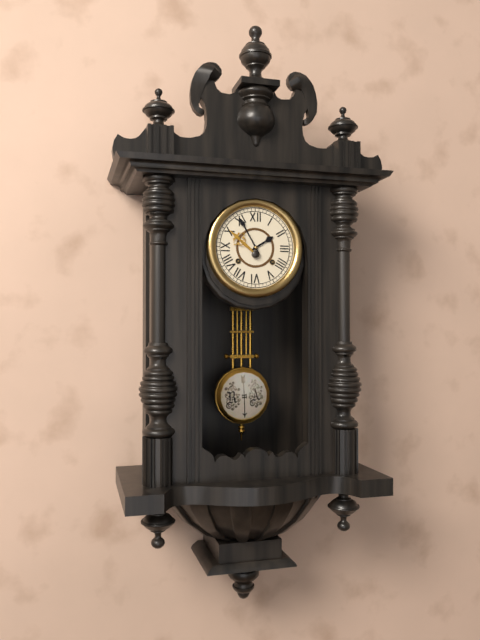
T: 1 h 55 min
